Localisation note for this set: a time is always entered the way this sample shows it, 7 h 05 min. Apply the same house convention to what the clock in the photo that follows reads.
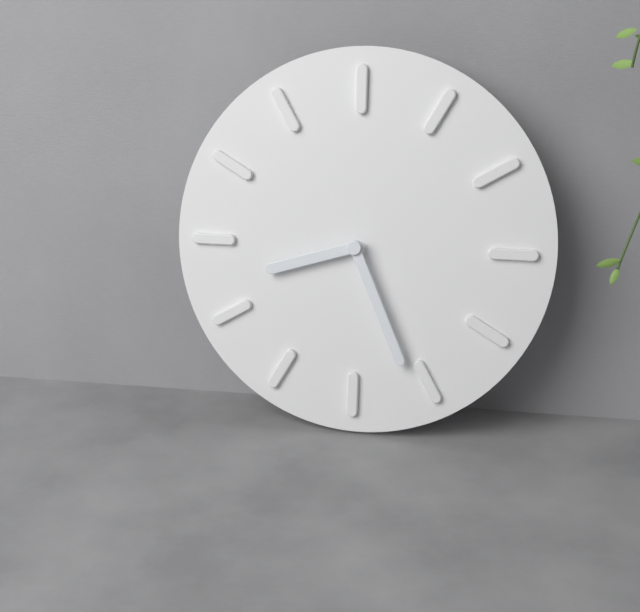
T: 8 h 26 min
